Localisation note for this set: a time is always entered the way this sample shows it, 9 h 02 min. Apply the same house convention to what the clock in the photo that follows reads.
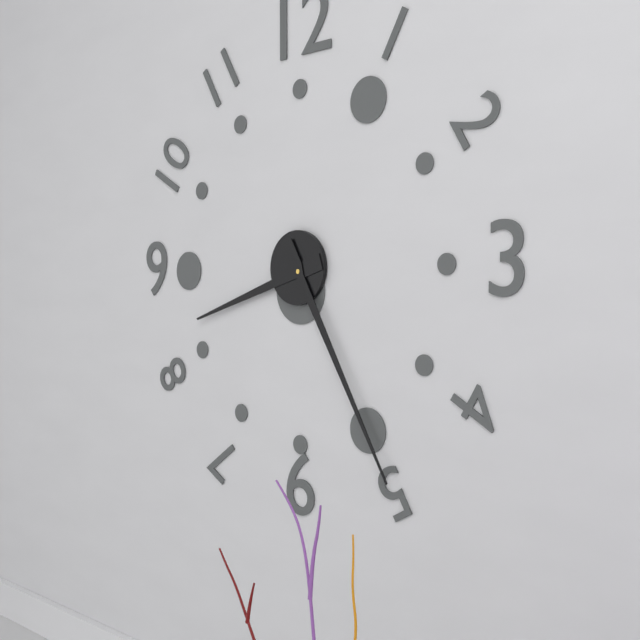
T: 8 h 25 min
